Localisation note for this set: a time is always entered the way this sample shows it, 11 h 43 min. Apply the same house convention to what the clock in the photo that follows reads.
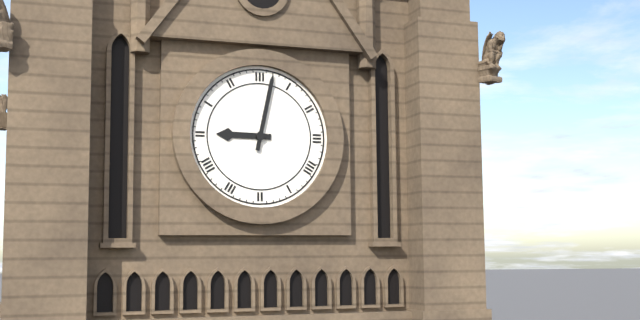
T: 9 h 02 min
